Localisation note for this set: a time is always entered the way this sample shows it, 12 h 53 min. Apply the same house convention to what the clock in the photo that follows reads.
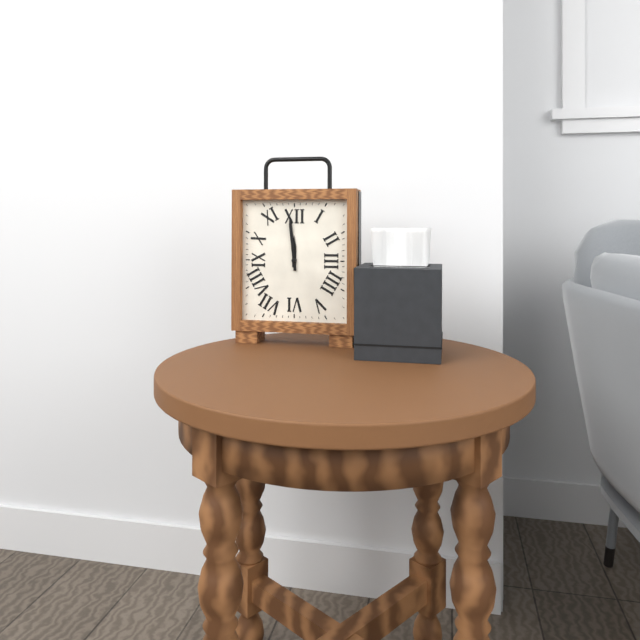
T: 11 h 59 min
